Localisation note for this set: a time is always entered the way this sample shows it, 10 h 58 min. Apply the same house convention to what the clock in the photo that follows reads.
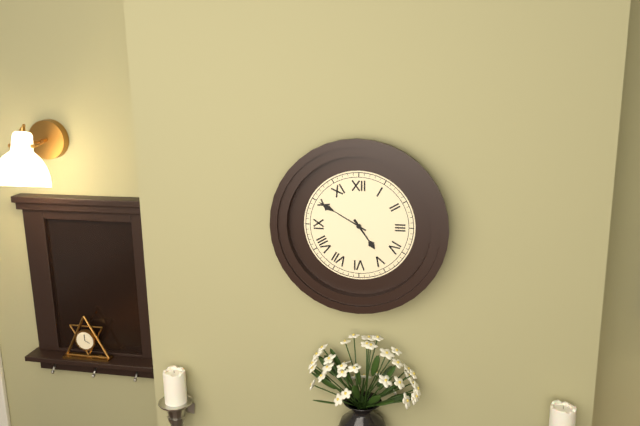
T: 4 h 50 min
